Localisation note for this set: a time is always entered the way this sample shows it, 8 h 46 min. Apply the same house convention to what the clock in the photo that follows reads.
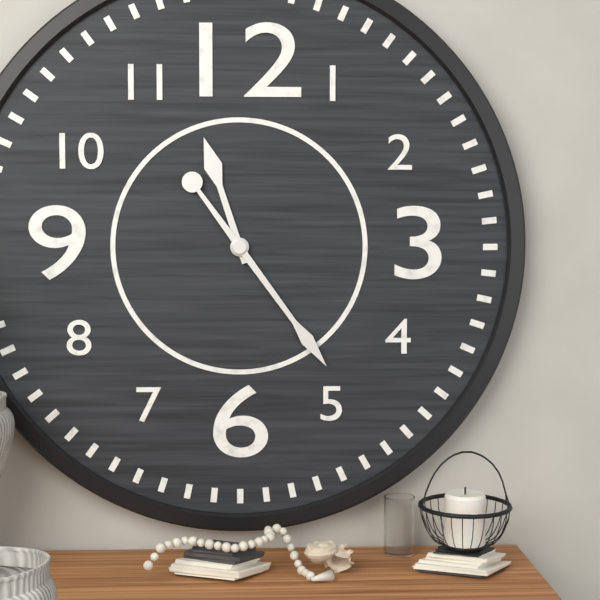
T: 11 h 24 min
